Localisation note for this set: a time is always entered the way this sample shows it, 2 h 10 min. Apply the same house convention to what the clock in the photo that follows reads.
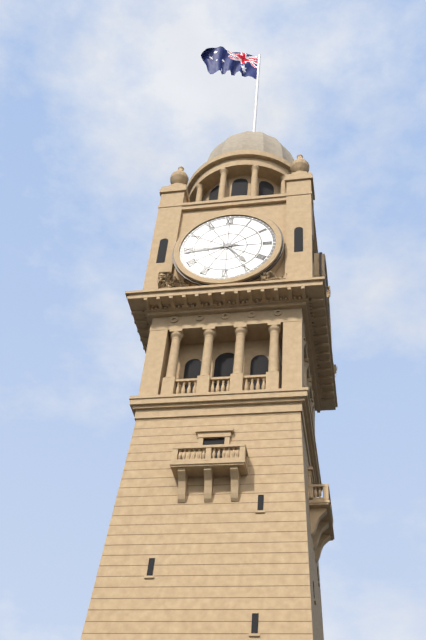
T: 4 h 44 min
